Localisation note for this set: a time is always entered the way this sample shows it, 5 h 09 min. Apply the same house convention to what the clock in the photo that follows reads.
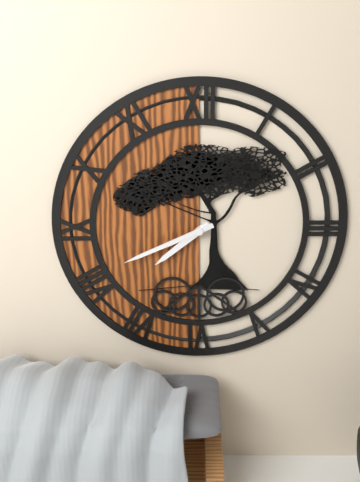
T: 7 h 41 min
